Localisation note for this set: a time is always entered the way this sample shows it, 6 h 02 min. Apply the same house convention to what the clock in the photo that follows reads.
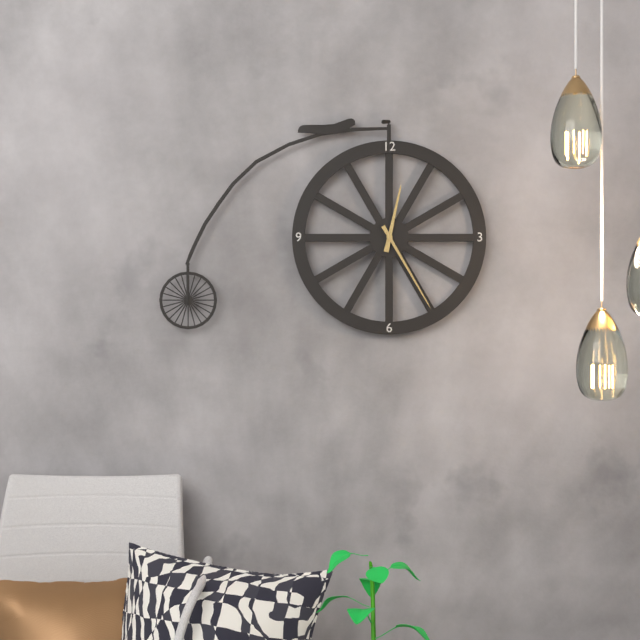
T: 12 h 25 min
